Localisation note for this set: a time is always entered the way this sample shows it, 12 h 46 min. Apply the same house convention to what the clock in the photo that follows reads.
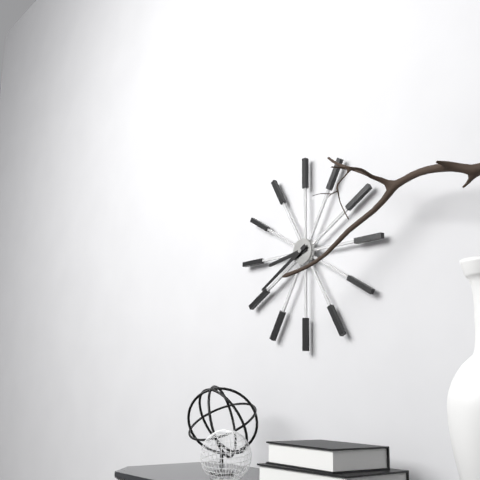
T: 8 h 40 min
